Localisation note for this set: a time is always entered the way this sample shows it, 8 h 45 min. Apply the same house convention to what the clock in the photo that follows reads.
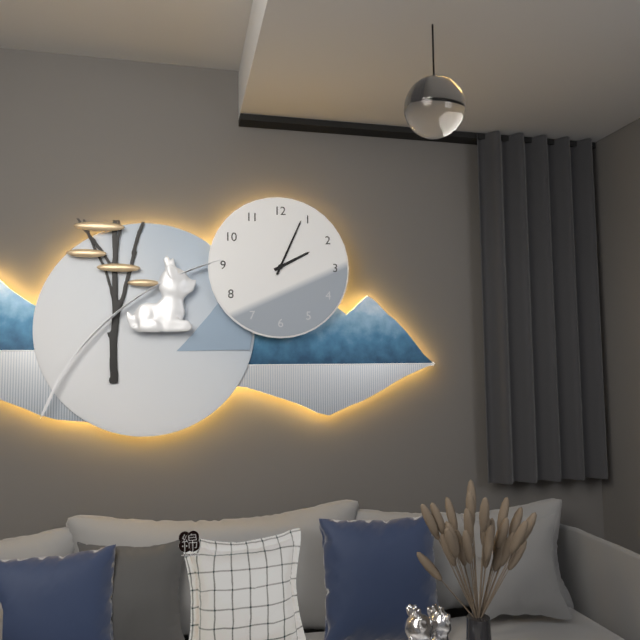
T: 2 h 04 min
